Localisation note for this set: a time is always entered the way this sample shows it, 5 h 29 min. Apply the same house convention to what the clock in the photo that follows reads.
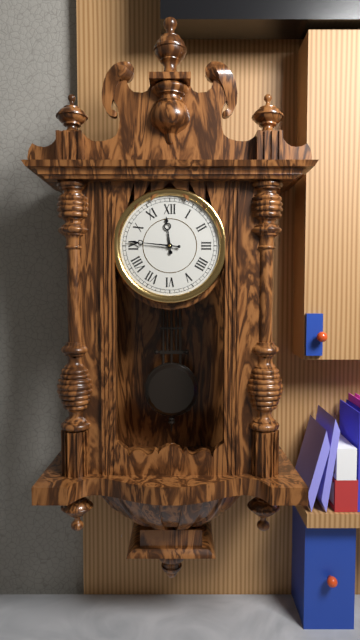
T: 11 h 46 min
